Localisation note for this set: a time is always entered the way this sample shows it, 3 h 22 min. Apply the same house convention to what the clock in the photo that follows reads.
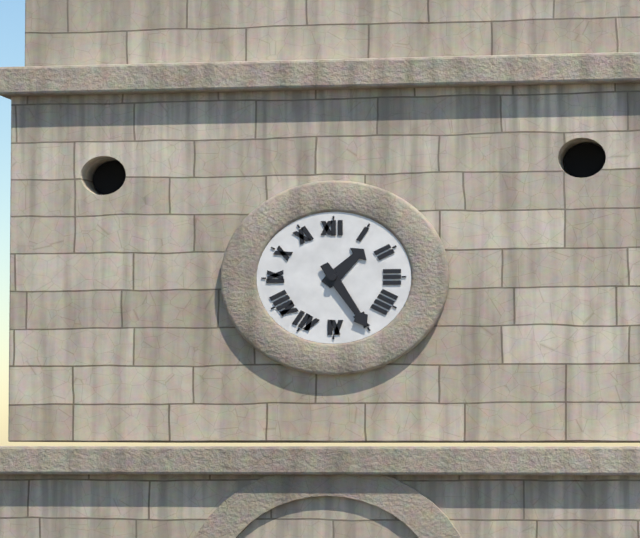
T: 1 h 25 min
